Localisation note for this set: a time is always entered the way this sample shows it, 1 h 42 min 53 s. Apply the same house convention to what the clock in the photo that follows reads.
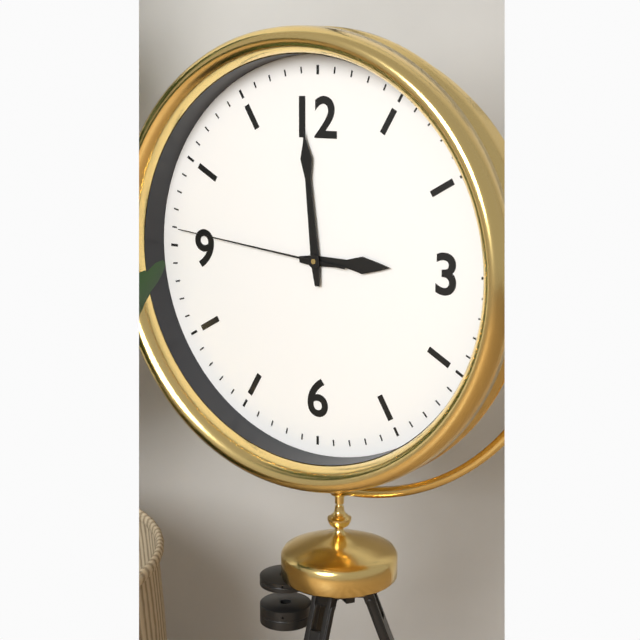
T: 2 h 59 min 46 s
